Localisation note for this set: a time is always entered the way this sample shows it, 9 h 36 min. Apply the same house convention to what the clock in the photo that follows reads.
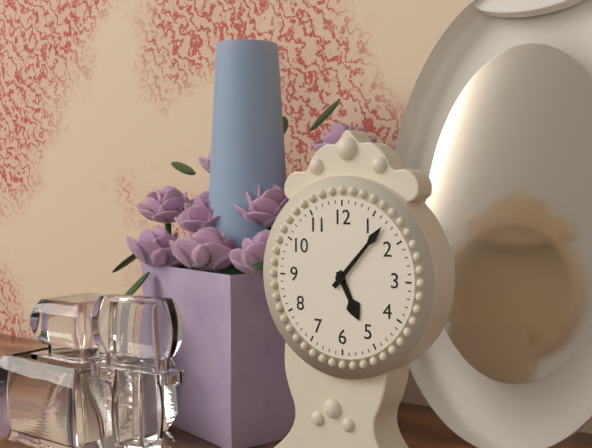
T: 5 h 07 min
